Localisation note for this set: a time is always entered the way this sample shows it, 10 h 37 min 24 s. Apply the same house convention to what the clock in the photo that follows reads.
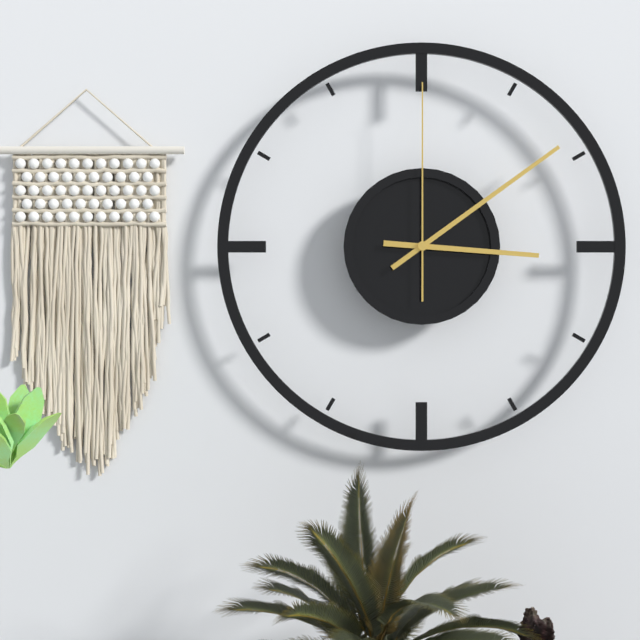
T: 3 h 09 min 00 s
